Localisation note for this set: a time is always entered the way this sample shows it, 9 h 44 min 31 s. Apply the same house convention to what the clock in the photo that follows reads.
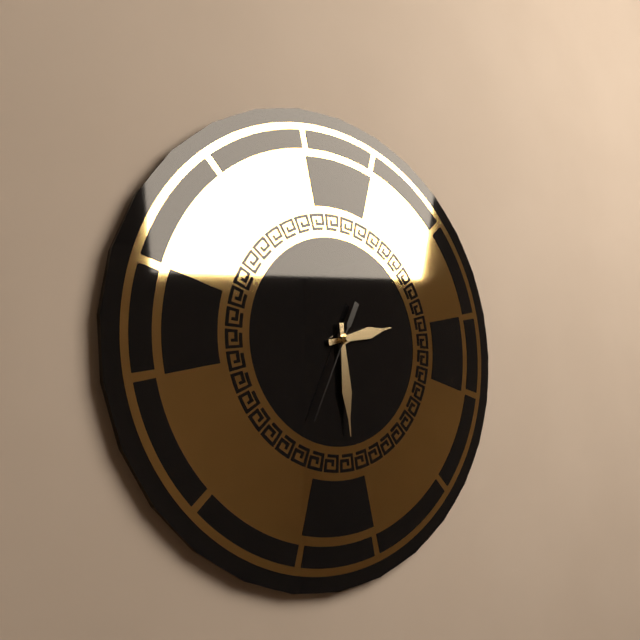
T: 2 h 29 min 34 s
